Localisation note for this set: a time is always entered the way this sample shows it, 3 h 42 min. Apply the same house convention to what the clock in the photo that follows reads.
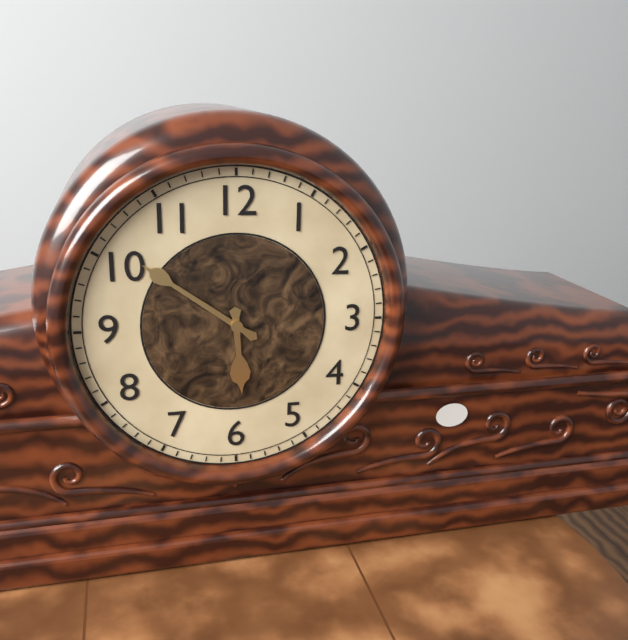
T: 5 h 51 min
